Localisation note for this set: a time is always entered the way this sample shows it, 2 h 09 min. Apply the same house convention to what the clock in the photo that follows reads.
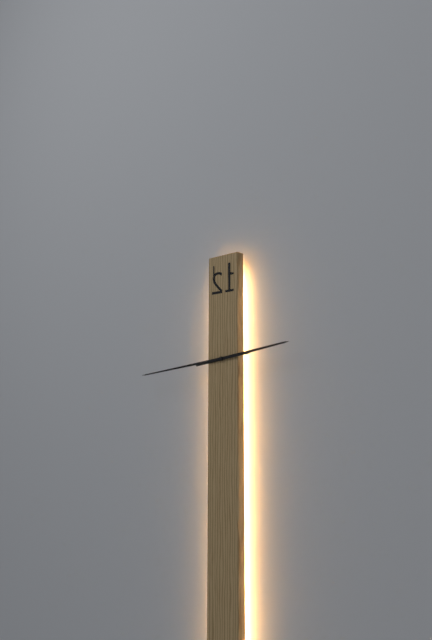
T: 2 h 44 min
